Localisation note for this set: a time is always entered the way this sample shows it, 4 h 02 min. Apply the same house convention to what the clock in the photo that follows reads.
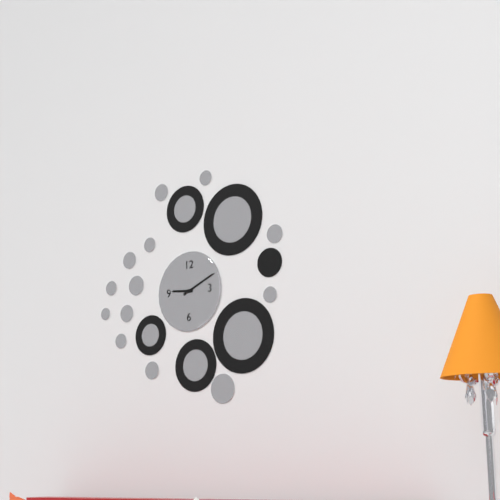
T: 9 h 11 min
